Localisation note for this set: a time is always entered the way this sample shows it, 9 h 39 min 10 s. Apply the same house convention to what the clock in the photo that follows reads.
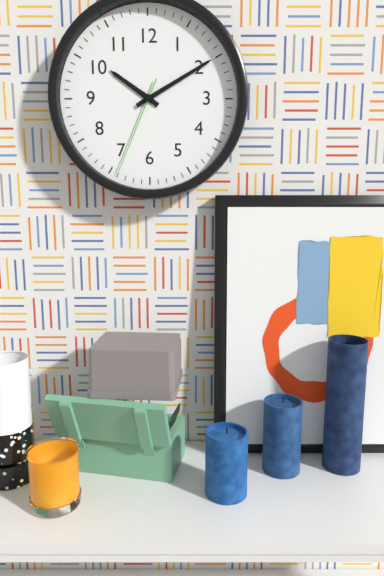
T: 10 h 10 min 34 s
